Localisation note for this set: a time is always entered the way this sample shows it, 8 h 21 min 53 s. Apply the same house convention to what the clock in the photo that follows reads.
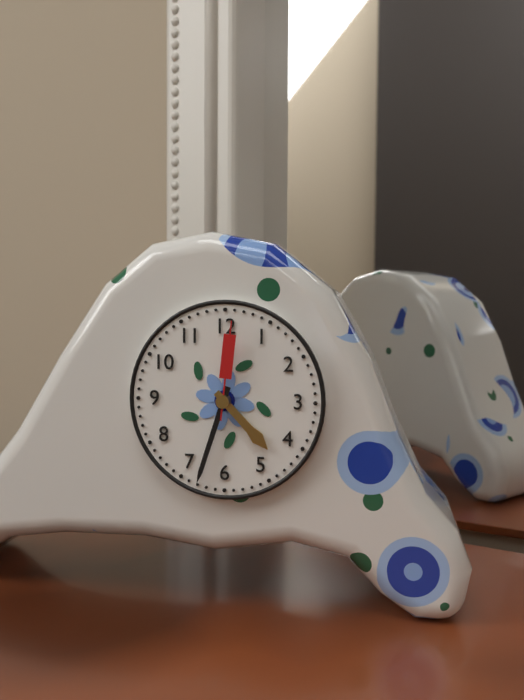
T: 4 h 33 min 01 s
